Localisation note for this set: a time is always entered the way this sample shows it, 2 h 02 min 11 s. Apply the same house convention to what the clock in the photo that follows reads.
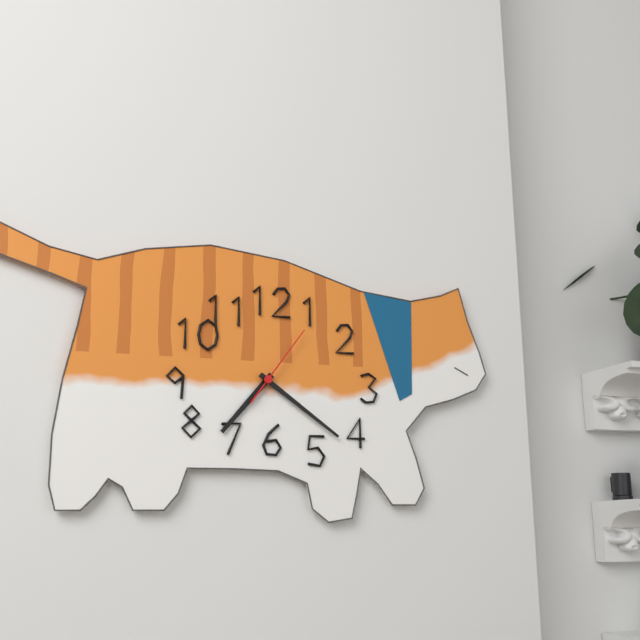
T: 7 h 21 min 06 s
